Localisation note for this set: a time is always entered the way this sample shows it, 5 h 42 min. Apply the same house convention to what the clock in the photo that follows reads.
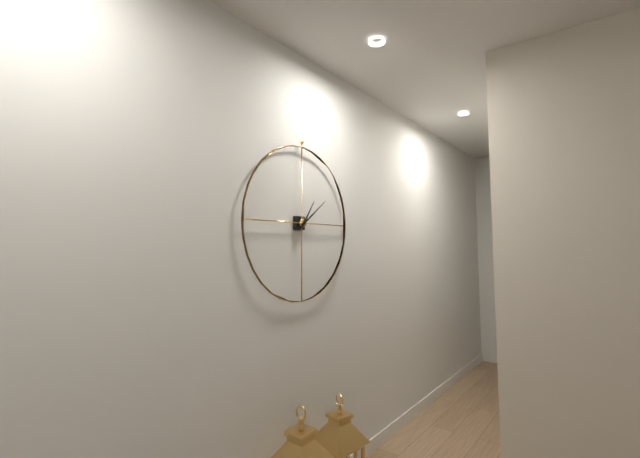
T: 1 h 09 min
